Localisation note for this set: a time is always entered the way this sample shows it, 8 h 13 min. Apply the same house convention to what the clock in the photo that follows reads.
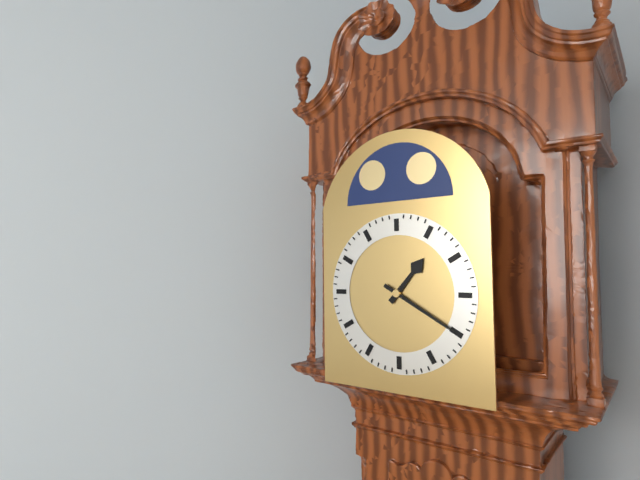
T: 1 h 20 min
